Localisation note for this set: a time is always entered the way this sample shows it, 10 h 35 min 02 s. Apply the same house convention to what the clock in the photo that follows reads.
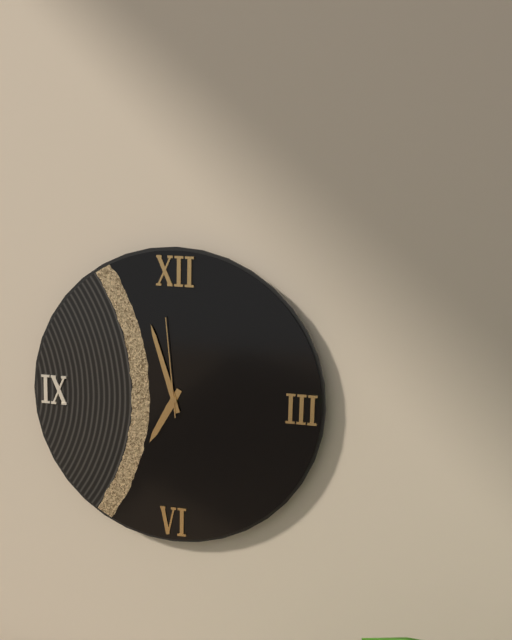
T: 6 h 57 min 59 s
